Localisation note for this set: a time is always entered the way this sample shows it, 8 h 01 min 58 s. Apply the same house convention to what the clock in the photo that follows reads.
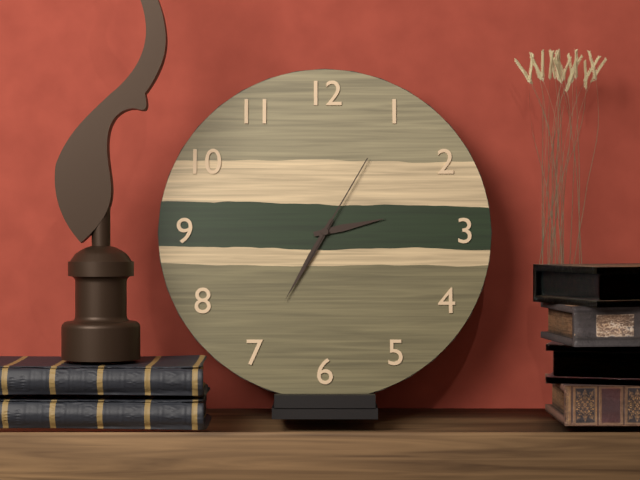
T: 2 h 35 min 05 s
